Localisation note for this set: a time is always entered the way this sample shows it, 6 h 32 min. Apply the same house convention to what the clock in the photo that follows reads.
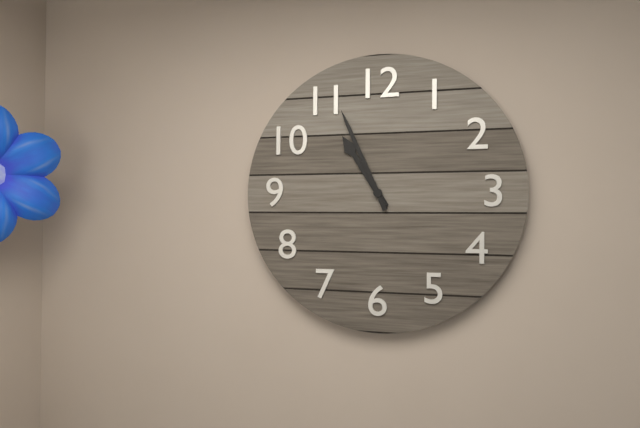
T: 10 h 56 min
